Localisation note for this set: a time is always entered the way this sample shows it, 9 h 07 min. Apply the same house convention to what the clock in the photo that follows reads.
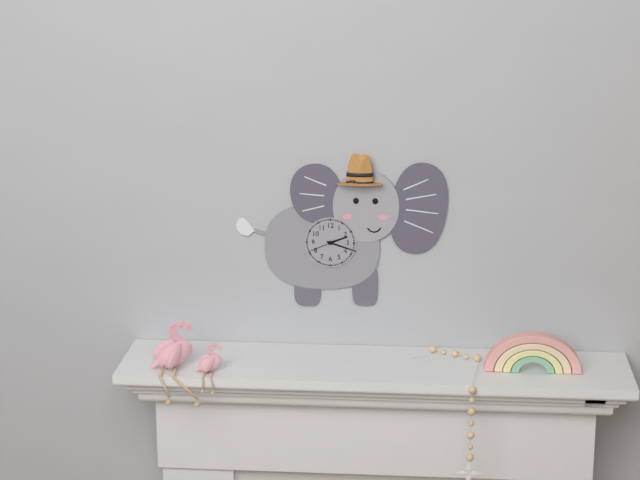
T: 2 h 18 min
